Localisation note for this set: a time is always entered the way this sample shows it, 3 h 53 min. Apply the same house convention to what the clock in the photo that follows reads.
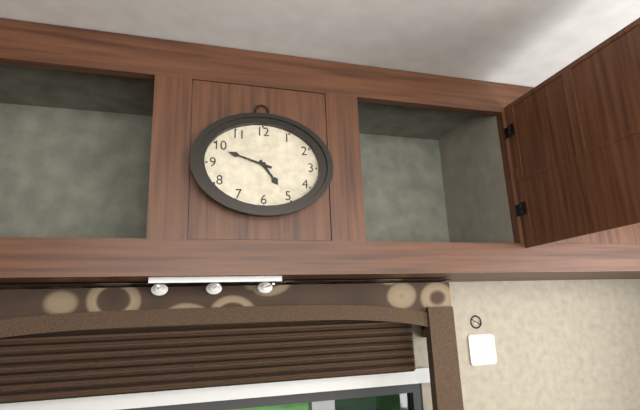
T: 4 h 48 min
